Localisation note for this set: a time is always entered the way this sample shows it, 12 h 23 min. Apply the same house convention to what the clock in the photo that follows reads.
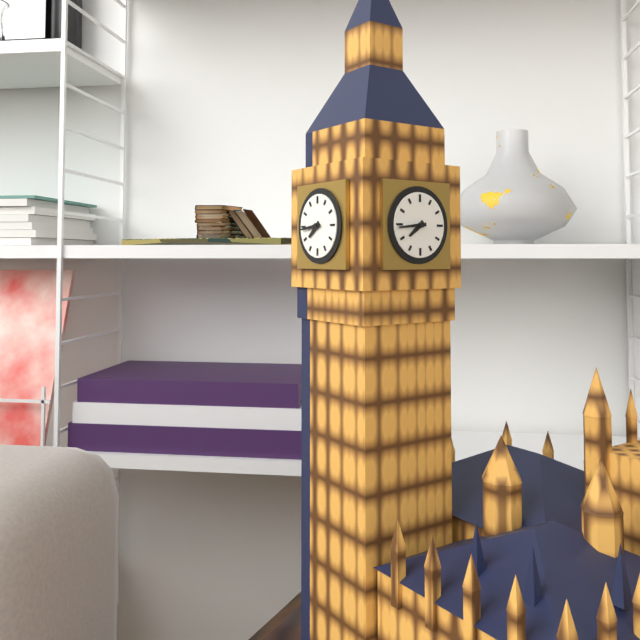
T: 7 h 44 min
